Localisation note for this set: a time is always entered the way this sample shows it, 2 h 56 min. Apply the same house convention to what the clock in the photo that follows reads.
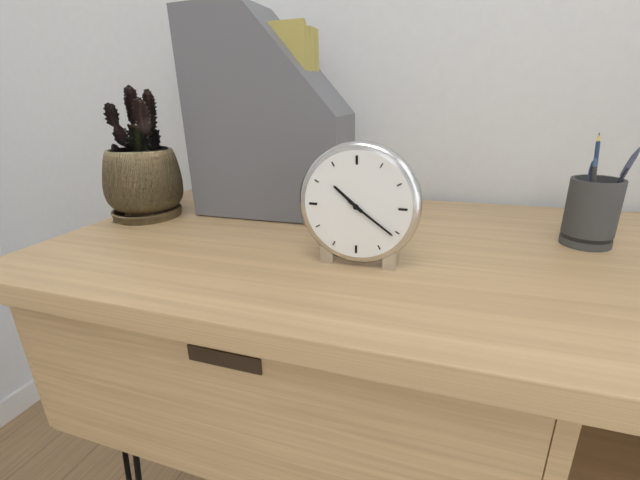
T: 10 h 21 min
